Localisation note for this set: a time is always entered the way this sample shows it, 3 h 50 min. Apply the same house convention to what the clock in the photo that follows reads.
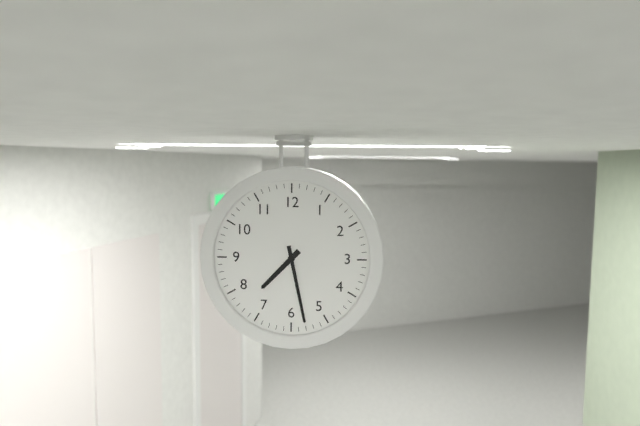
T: 7 h 28 min
